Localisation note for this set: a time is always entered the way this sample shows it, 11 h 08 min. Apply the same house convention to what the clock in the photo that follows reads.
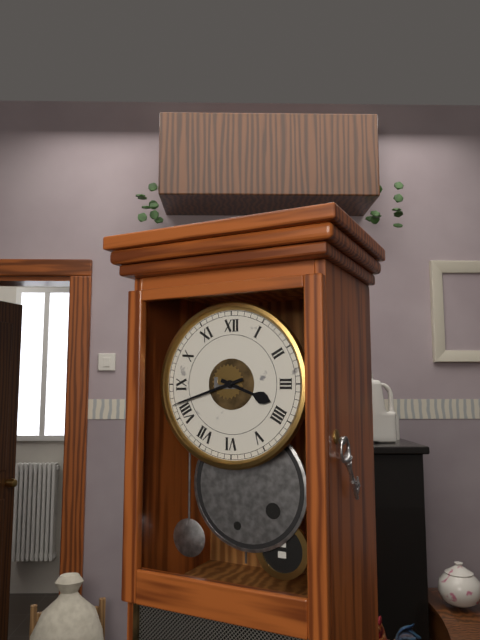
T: 3 h 42 min
